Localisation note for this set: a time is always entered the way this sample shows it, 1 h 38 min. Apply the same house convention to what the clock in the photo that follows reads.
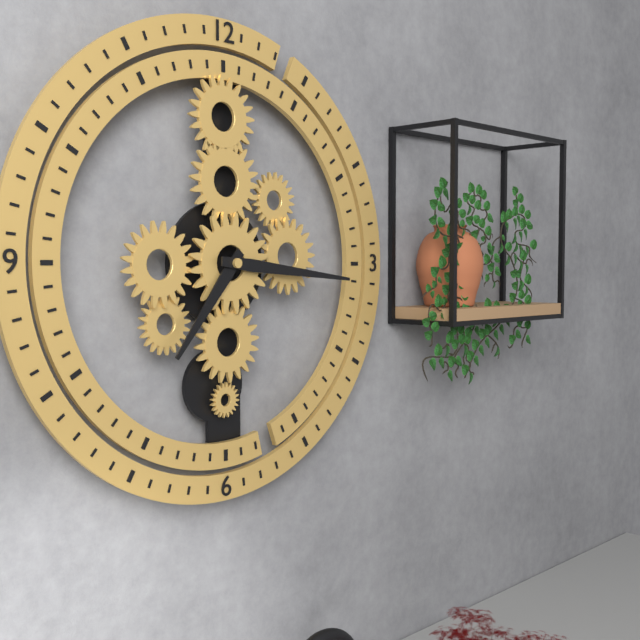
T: 7 h 16 min
